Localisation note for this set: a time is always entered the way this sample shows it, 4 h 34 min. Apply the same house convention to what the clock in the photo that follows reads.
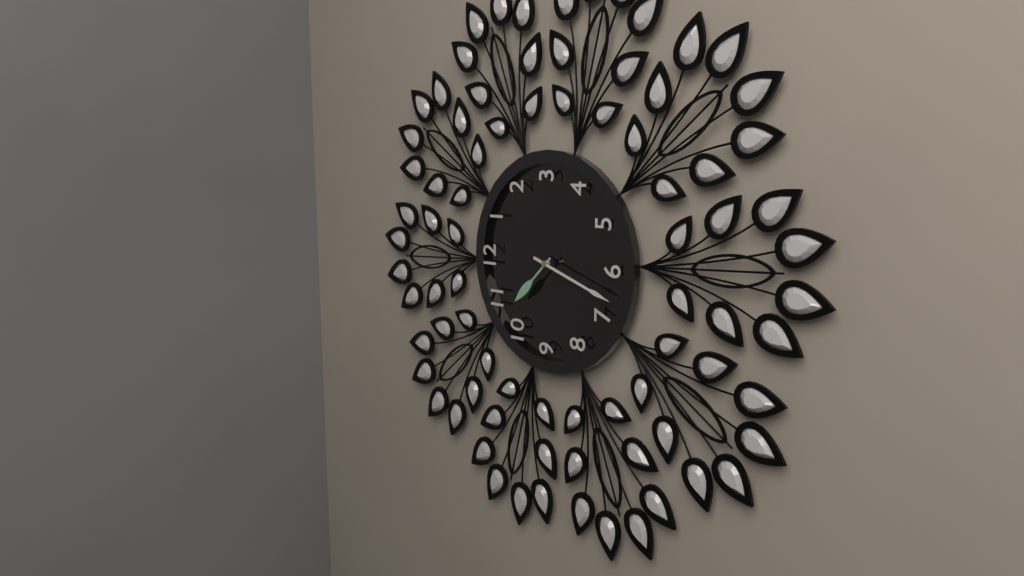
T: 10 h 33 min
